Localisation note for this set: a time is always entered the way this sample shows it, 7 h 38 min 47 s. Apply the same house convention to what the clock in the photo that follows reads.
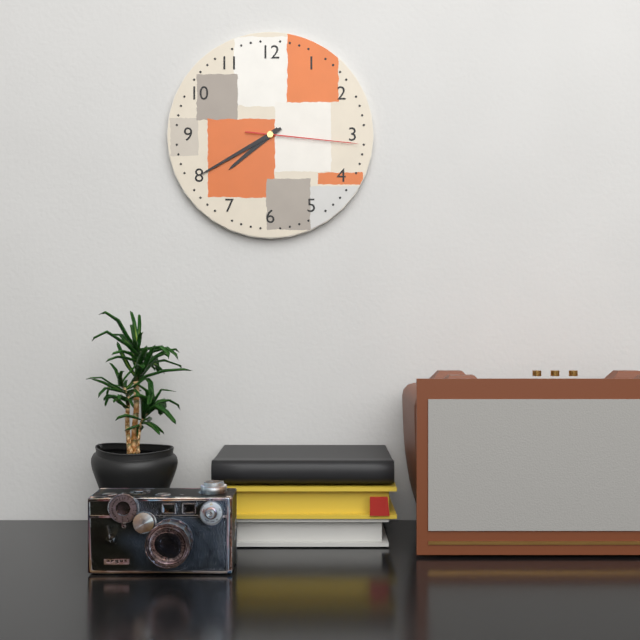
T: 7 h 40 min 16 s
